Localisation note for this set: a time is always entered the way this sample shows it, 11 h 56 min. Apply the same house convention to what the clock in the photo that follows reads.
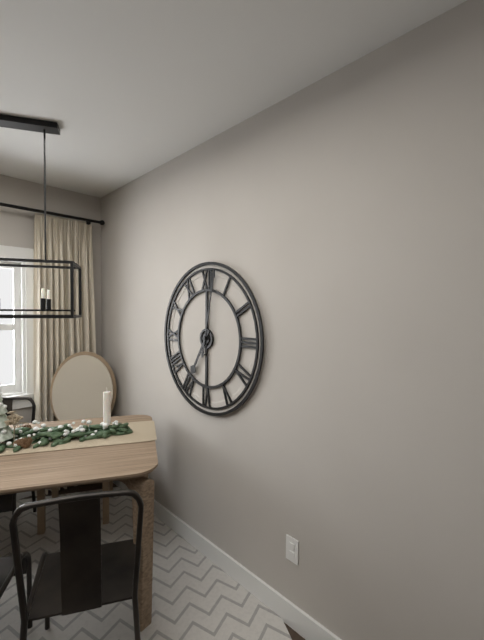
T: 7 h 02 min
